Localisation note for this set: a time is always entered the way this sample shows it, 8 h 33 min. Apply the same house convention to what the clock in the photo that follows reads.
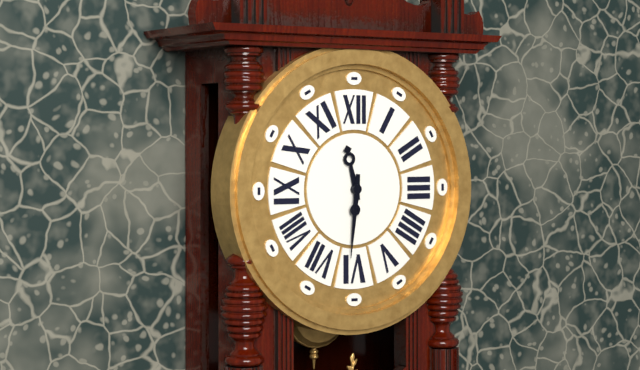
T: 11 h 31 min
